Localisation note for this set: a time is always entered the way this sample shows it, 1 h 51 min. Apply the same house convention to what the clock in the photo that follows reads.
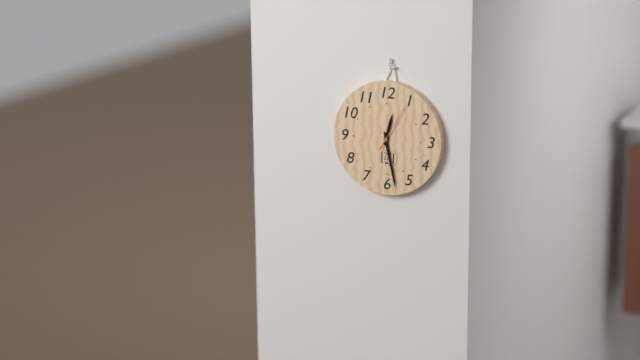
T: 12 h 28 min
